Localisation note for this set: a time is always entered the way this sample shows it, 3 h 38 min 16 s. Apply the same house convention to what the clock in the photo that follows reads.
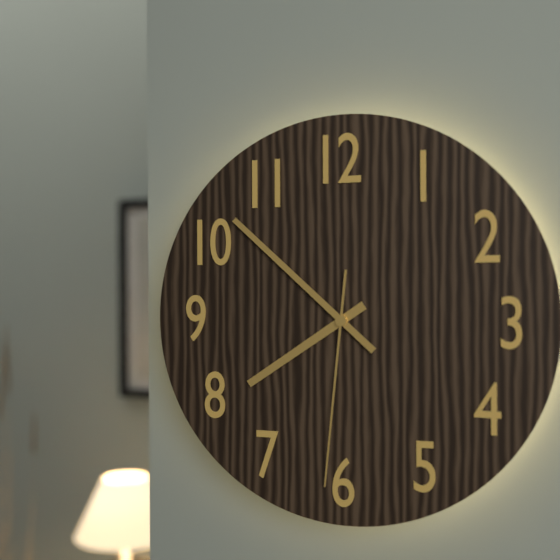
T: 7 h 52 min 31 s
